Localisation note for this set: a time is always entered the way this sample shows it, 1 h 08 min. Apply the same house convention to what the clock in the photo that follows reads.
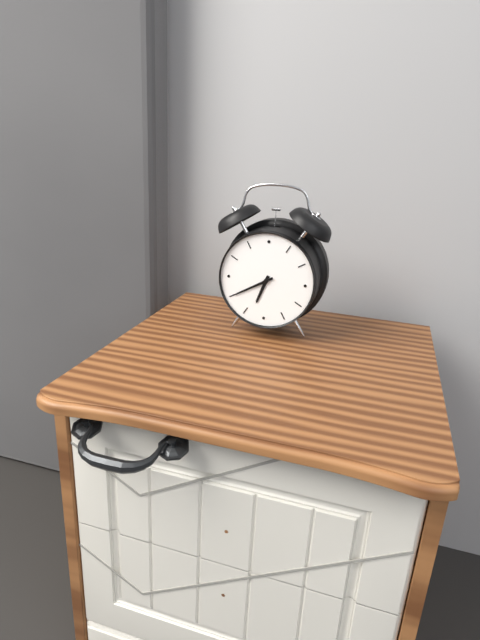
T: 6 h 40 min
